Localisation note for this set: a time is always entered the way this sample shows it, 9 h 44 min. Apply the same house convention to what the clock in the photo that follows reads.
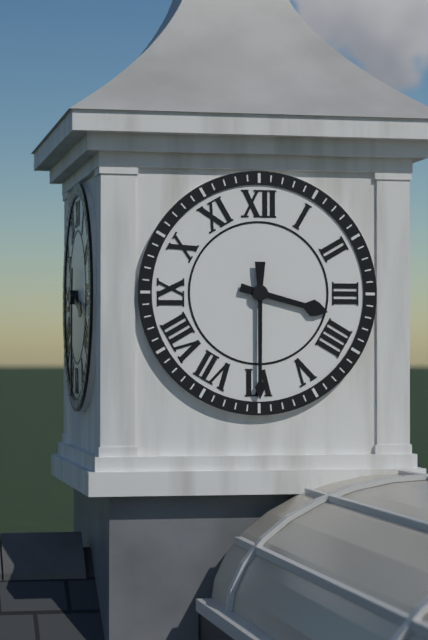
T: 3 h 30 min
